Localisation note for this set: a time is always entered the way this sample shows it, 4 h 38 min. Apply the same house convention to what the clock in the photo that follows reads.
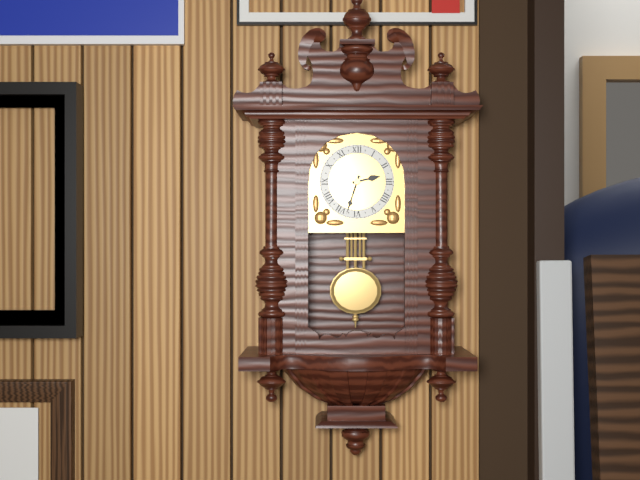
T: 2 h 33 min
